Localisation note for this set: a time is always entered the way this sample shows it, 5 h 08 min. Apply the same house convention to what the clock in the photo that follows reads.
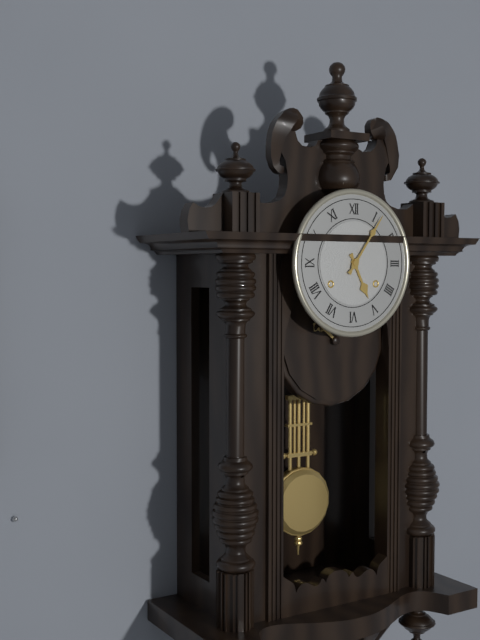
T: 5 h 06 min
